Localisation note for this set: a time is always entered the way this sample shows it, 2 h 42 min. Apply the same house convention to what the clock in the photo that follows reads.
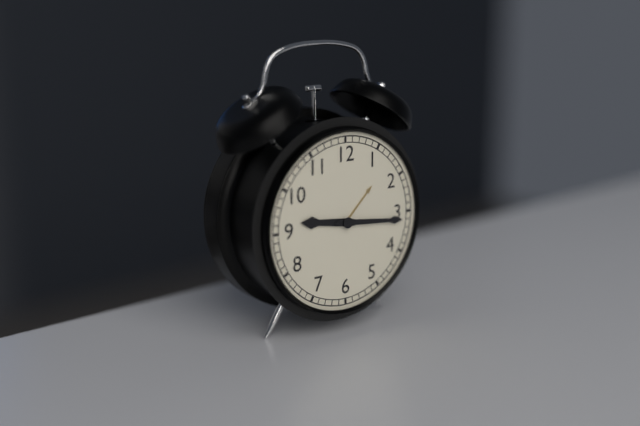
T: 9 h 16 min
